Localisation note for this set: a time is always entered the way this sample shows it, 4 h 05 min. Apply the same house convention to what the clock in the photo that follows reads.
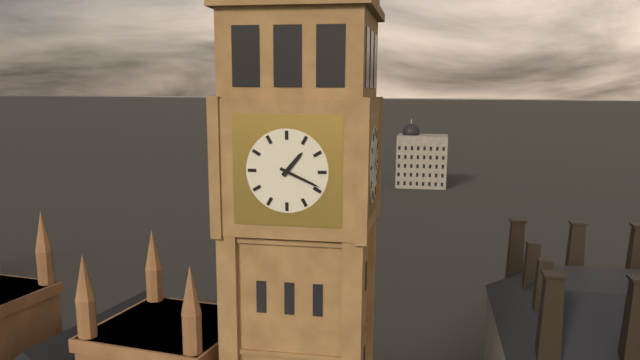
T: 1 h 19 min
